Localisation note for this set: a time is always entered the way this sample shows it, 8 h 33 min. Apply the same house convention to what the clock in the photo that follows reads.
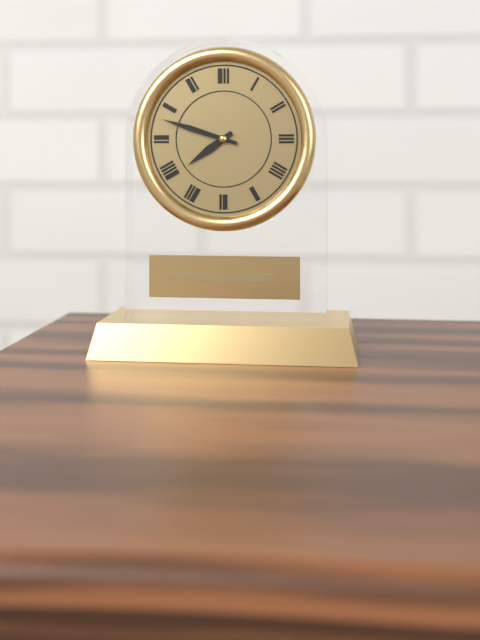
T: 7 h 48 min
